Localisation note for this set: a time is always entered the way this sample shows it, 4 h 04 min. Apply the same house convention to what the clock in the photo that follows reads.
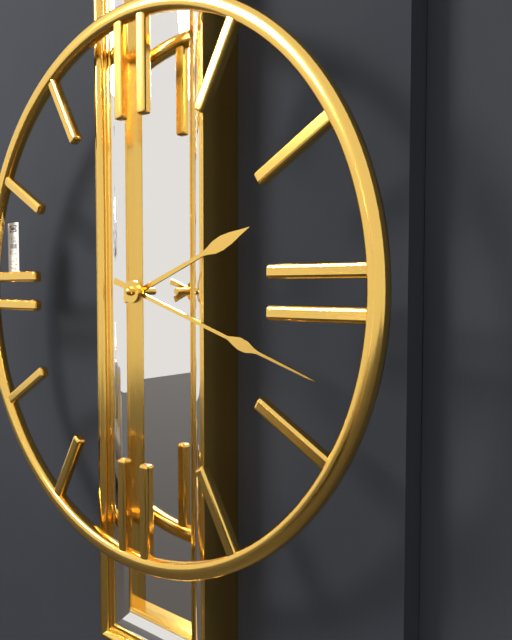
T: 2 h 18 min
